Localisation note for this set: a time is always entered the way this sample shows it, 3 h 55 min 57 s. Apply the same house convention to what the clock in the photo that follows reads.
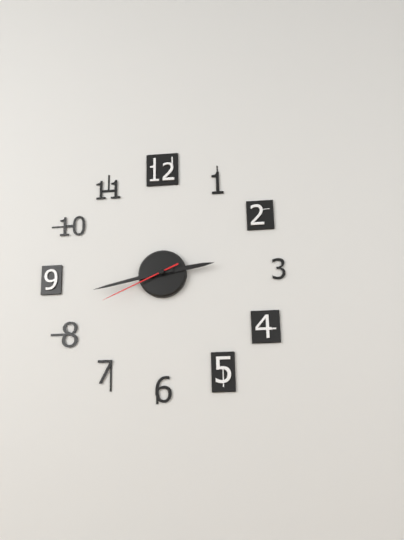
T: 2 h 43 min 41 s
